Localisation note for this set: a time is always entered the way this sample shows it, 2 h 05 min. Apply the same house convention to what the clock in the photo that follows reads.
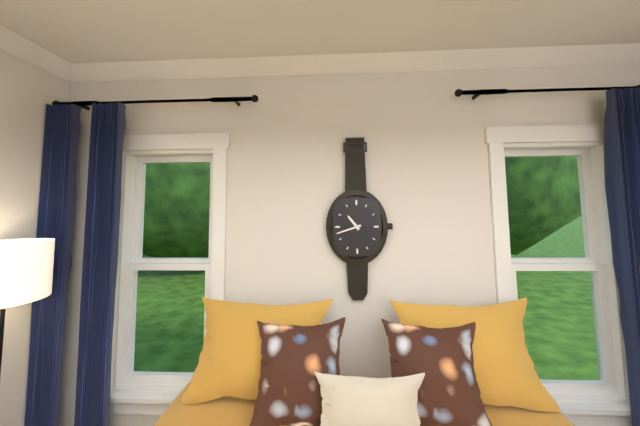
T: 10 h 42 min
